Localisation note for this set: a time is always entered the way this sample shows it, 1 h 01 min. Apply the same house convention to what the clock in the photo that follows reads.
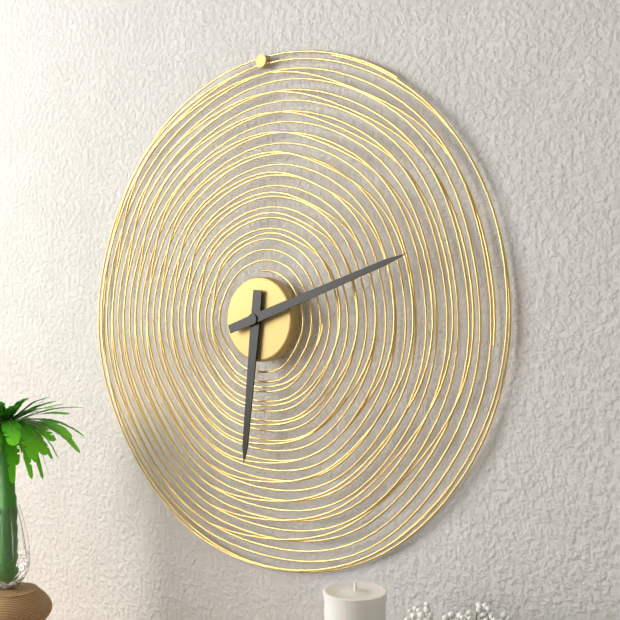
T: 6 h 12 min
